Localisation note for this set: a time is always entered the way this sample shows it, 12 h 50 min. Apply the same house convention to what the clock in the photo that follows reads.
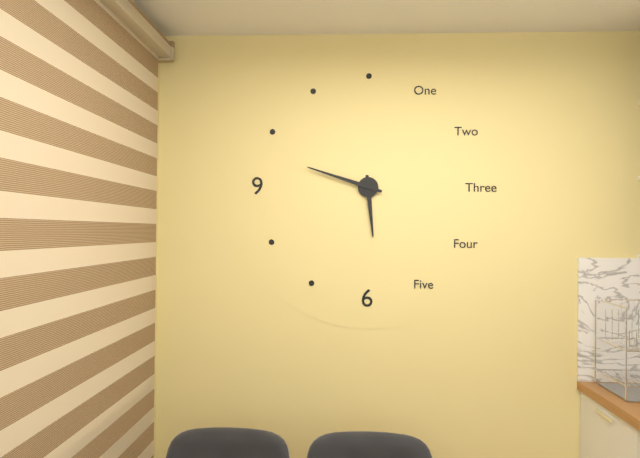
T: 5 h 48 min
